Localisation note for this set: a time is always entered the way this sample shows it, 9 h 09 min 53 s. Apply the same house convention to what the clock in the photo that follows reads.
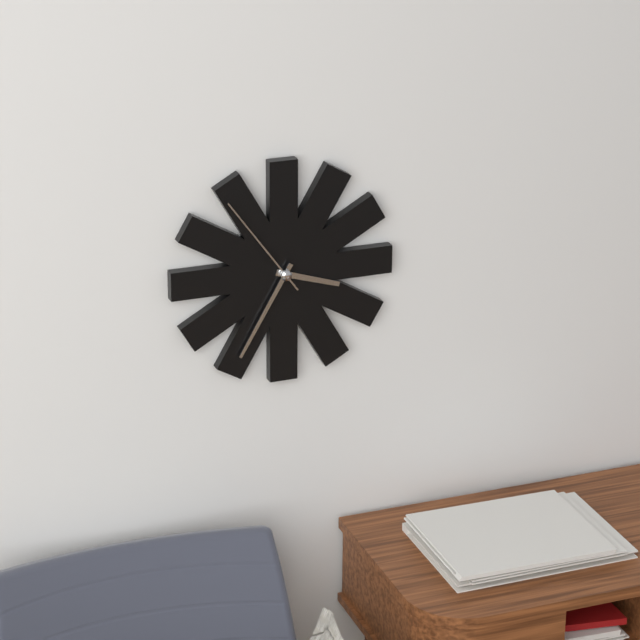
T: 3 h 35 min 54 s
